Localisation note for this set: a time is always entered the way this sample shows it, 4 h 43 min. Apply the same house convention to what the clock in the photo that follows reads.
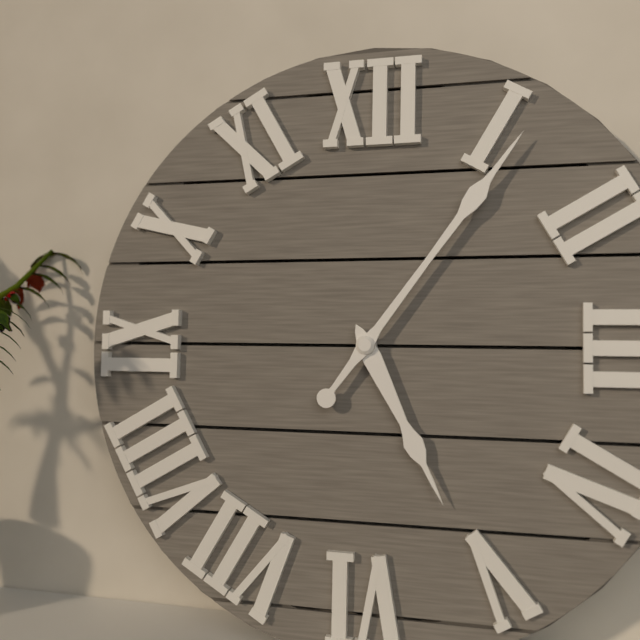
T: 5 h 06 min
